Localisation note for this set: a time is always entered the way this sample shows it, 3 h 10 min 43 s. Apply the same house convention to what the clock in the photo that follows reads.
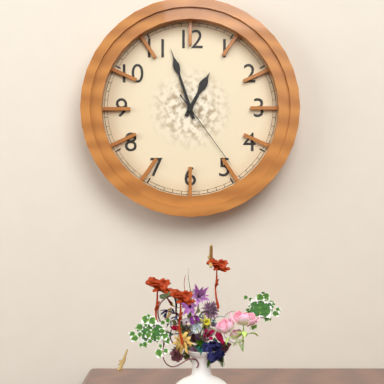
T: 12 h 57 min 24 s
